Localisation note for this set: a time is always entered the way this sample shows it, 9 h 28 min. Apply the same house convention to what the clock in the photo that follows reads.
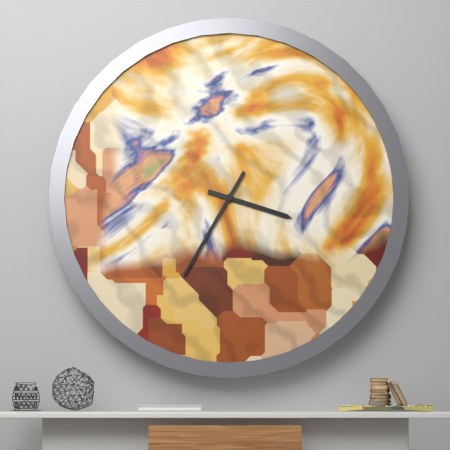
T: 3 h 35 min
